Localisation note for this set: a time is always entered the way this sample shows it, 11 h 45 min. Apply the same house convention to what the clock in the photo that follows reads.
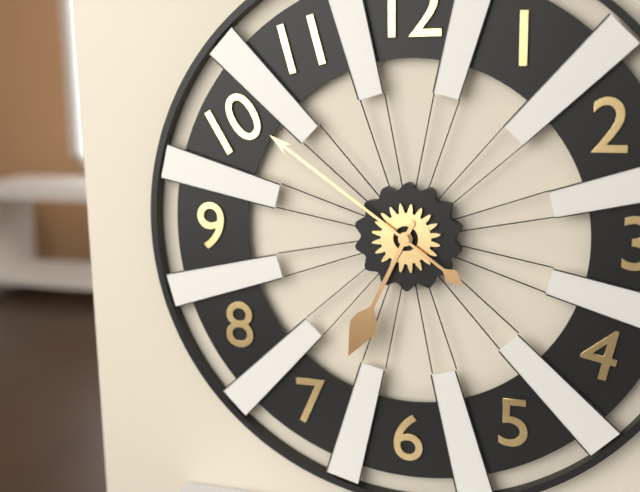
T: 6 h 51 min
